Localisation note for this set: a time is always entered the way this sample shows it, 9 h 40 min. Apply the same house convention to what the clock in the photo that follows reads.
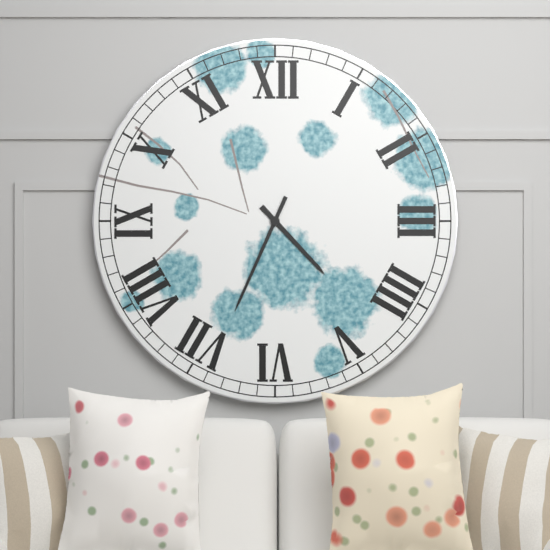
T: 4 h 34 min
